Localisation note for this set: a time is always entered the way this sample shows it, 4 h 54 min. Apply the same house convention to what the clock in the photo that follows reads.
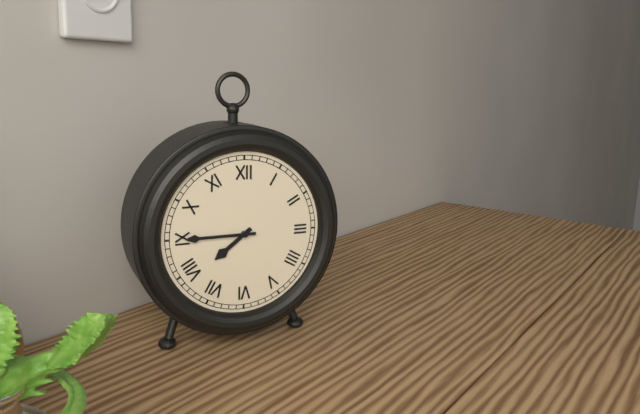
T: 7 h 45 min
